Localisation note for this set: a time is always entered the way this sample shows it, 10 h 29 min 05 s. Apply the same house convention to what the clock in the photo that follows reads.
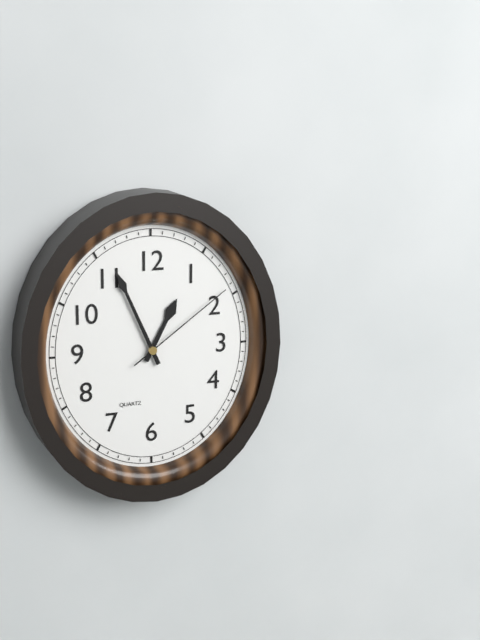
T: 12 h 56 min 09 s
